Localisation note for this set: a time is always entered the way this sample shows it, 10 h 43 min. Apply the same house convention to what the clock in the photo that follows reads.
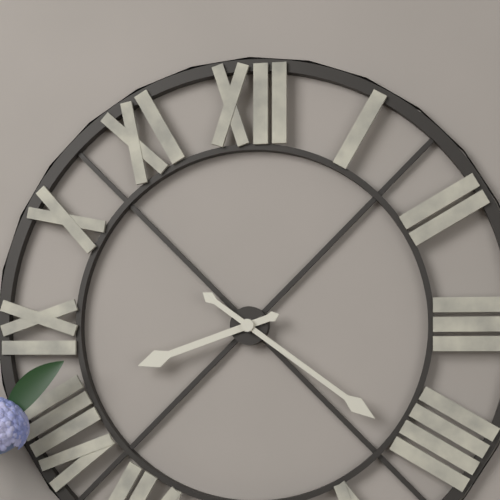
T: 8 h 21 min
